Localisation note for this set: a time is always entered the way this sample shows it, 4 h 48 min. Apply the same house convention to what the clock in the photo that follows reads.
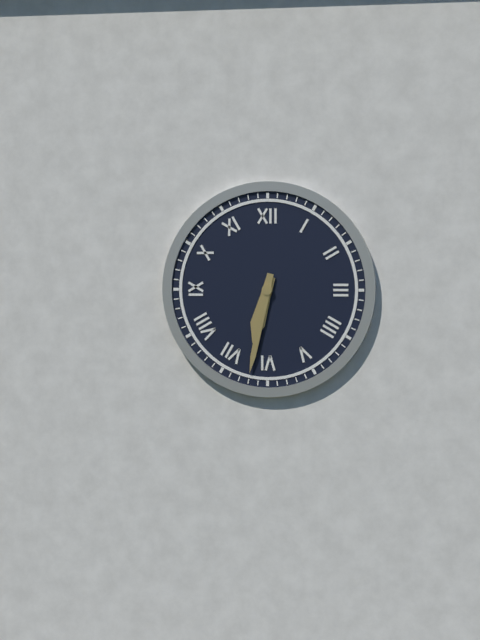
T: 6 h 32 min
